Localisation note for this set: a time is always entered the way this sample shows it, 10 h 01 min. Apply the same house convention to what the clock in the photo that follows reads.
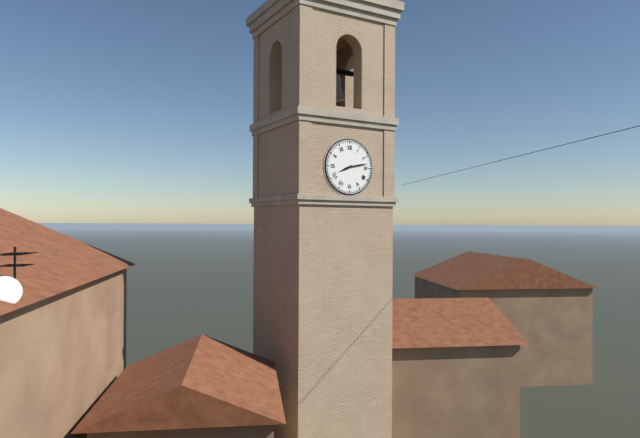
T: 8 h 13 min
